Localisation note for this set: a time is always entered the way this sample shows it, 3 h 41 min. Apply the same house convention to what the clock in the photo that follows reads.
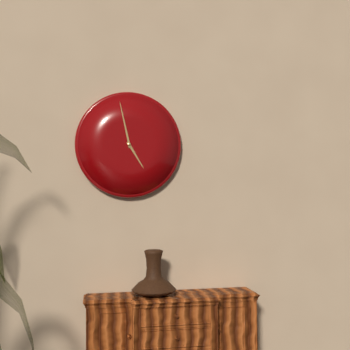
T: 4 h 58 min
